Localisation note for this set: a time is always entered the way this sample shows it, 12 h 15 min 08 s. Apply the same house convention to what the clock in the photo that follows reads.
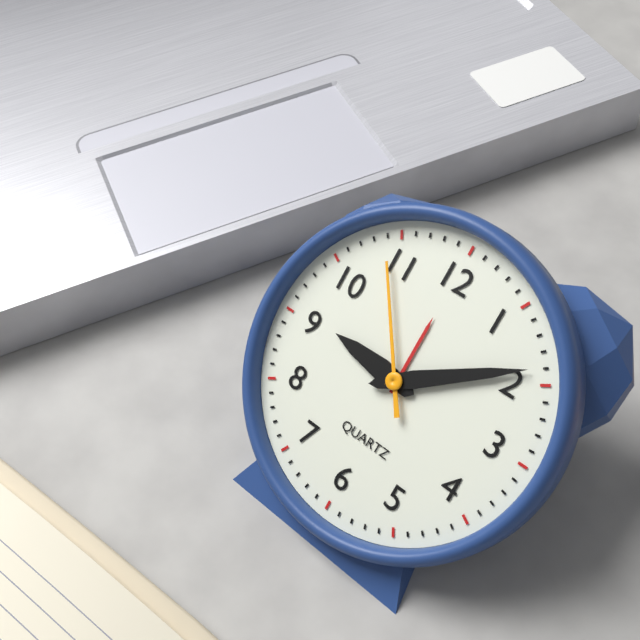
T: 9 h 09 min 54 s
